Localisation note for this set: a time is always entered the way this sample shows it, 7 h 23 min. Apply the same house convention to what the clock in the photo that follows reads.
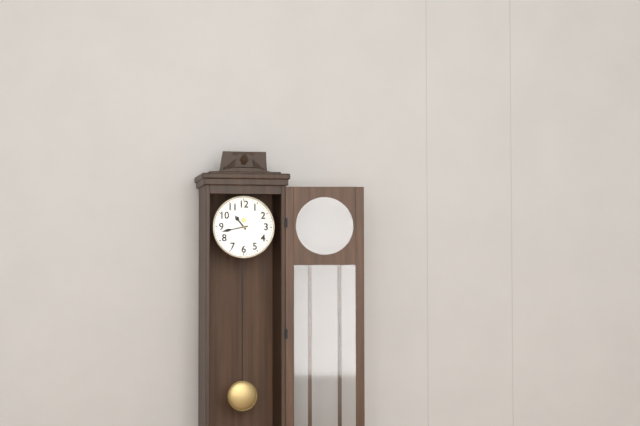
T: 10 h 43 min
